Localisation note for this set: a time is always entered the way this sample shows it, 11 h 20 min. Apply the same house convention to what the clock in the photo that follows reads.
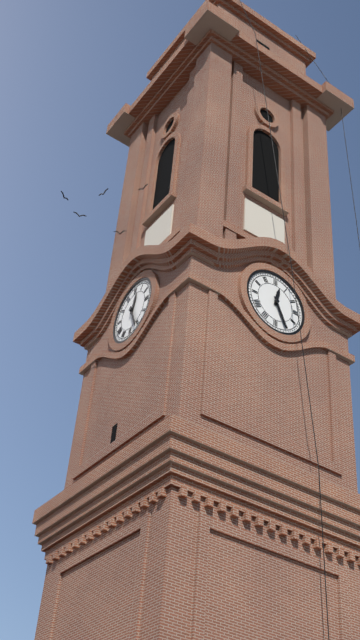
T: 12 h 26 min
